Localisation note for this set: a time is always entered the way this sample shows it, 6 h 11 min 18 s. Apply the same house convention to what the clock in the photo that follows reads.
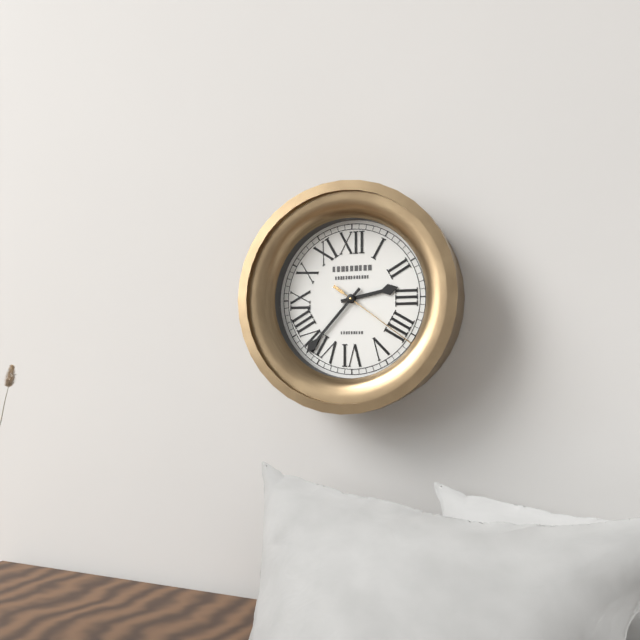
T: 2 h 37 min 21 s
